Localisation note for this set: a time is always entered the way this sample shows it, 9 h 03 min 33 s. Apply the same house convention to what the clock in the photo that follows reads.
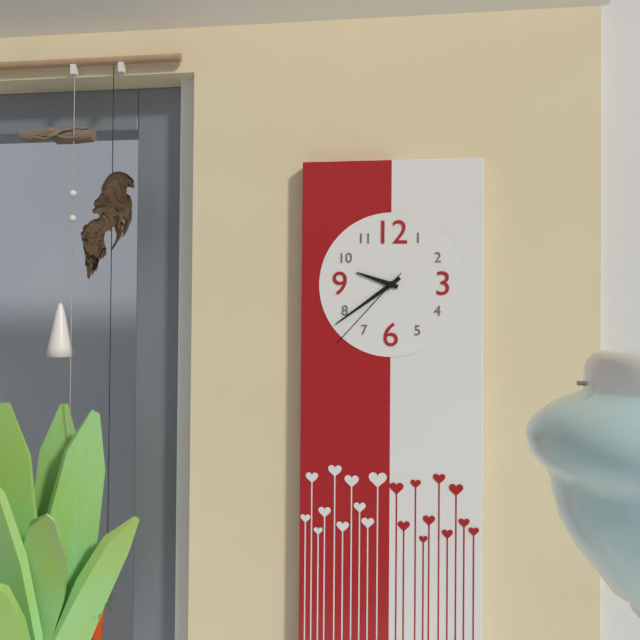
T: 9 h 39 min 37 s
